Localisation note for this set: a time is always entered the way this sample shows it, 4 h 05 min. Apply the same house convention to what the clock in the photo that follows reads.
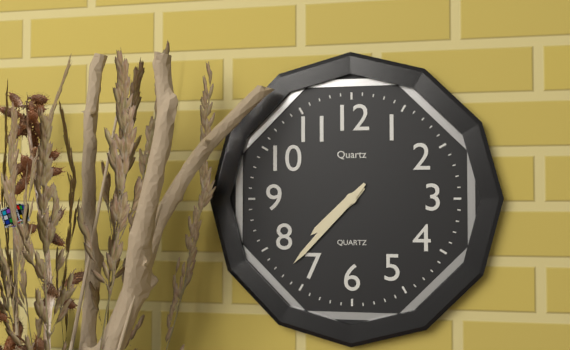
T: 7 h 37 min
